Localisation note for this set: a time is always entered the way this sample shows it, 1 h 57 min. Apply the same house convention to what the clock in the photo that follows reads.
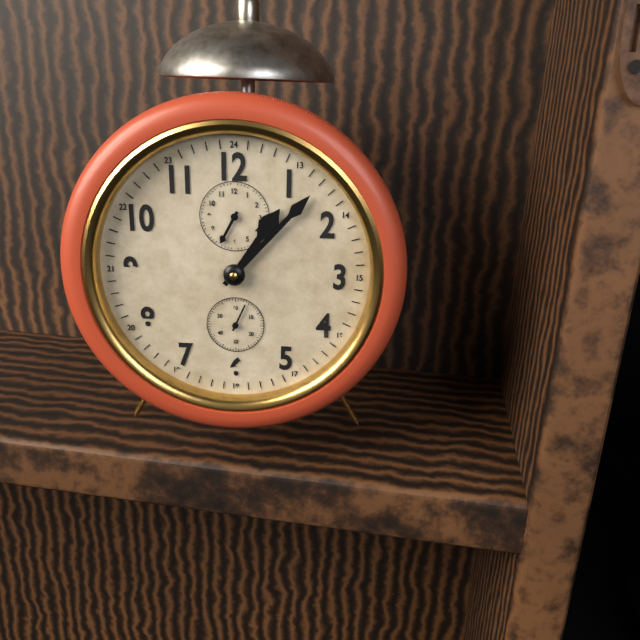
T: 1 h 07 min
